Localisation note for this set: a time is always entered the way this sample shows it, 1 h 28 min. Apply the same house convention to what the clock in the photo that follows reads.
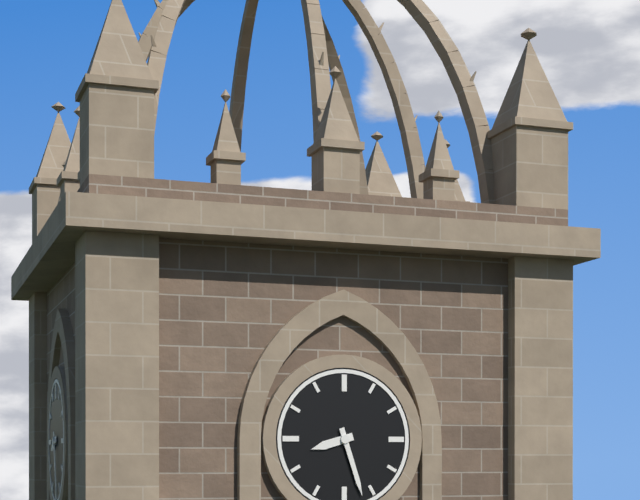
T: 8 h 27 min
